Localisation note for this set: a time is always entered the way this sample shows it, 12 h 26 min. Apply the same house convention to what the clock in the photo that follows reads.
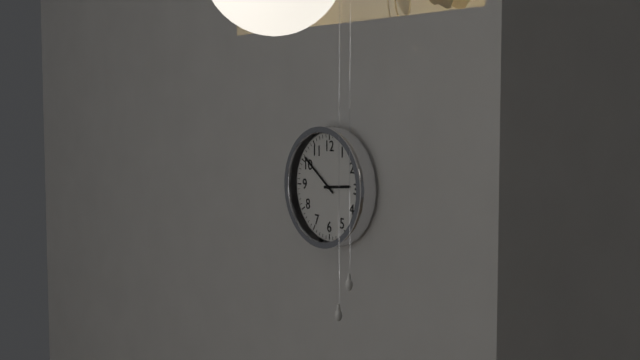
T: 2 h 51 min
